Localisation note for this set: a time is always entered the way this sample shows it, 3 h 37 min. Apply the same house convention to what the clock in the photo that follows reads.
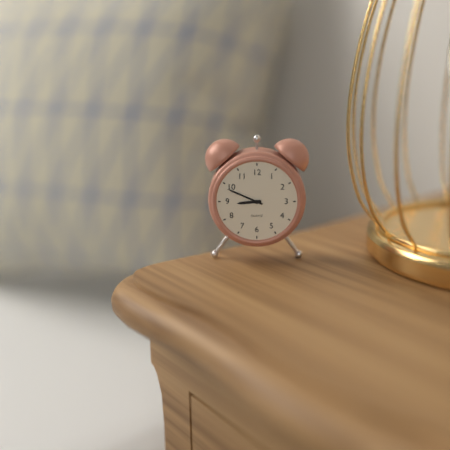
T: 8 h 49 min
